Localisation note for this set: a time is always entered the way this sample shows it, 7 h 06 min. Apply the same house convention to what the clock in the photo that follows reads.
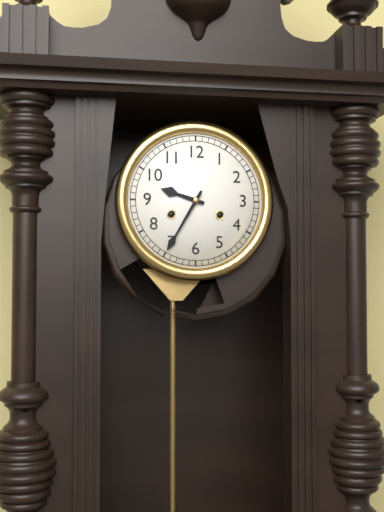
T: 9 h 35 min
